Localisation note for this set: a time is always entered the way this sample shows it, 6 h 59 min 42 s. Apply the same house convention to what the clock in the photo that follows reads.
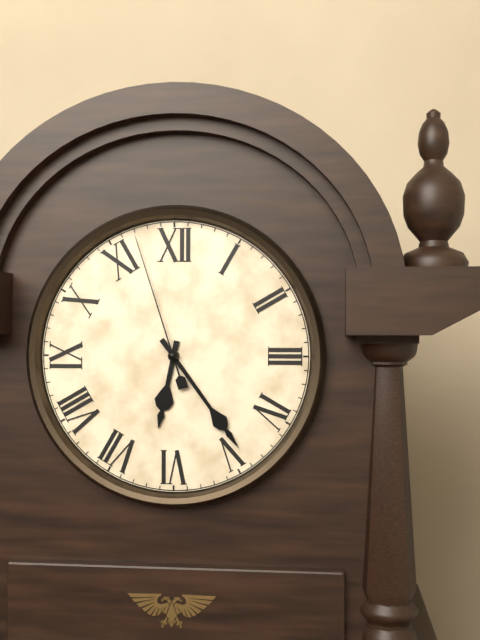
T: 6 h 24 min 57 s
